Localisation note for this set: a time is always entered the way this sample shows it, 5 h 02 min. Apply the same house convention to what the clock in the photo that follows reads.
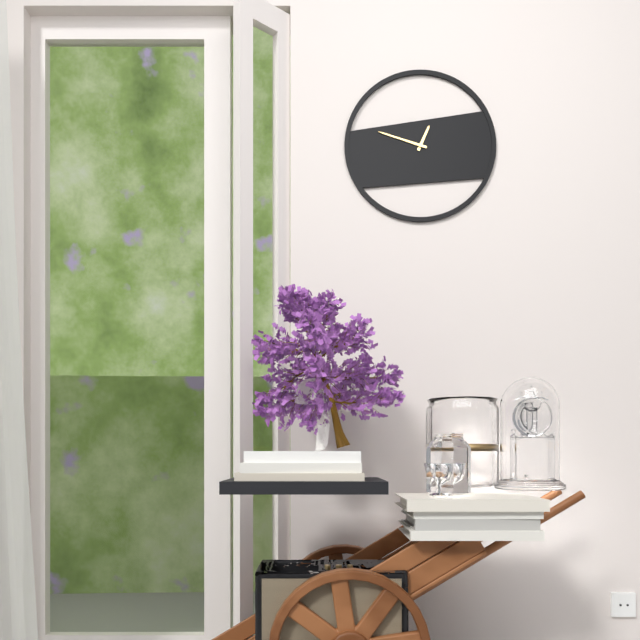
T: 12 h 48 min
